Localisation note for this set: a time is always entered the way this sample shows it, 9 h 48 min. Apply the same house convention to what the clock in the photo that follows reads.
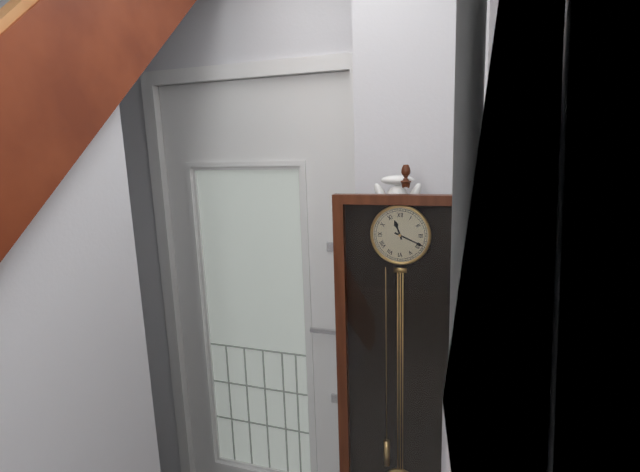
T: 11 h 19 min
